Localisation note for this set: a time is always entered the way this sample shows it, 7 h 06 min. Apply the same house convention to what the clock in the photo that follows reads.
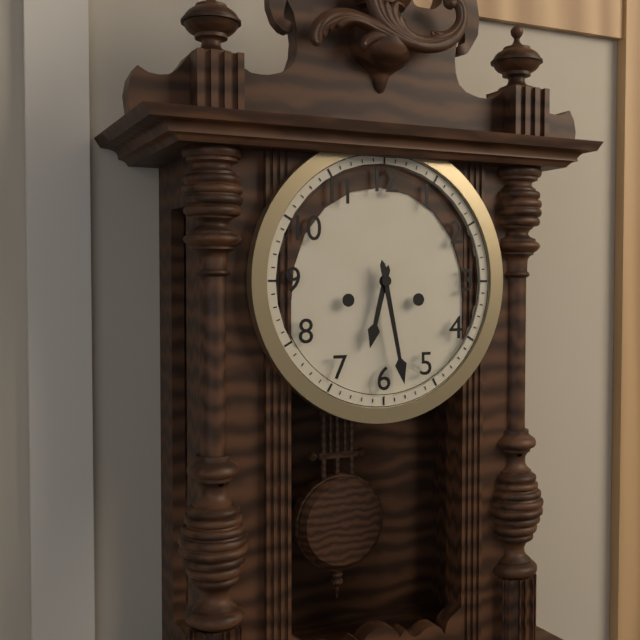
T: 6 h 28 min
